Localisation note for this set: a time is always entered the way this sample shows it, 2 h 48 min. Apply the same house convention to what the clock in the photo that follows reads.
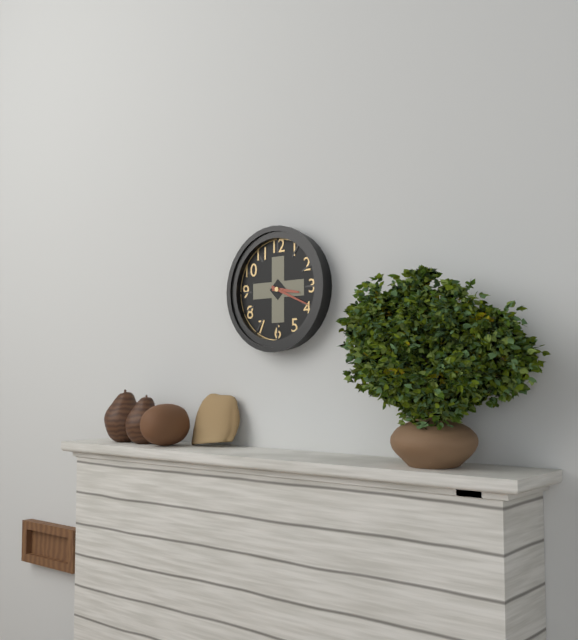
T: 3 h 19 min
